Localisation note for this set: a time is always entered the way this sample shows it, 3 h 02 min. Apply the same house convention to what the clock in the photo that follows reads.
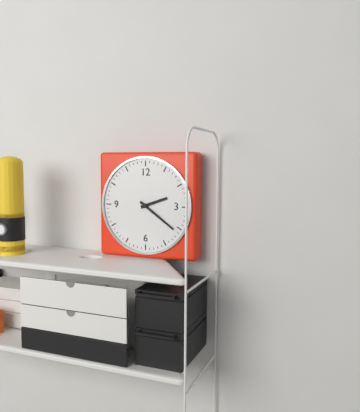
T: 2 h 21 min
